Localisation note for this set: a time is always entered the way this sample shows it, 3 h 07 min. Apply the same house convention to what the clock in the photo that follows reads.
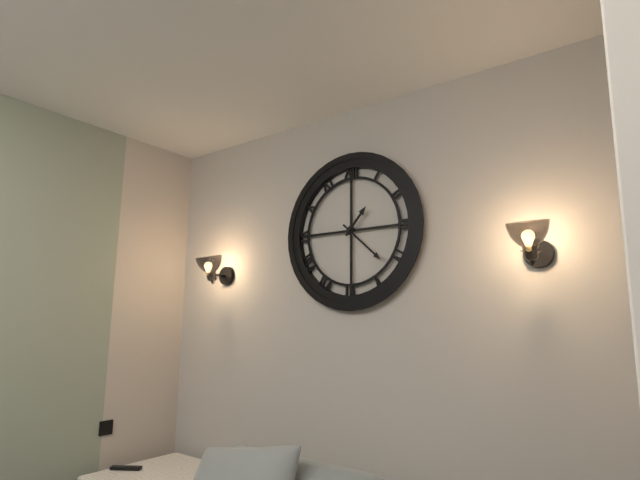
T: 1 h 22 min
